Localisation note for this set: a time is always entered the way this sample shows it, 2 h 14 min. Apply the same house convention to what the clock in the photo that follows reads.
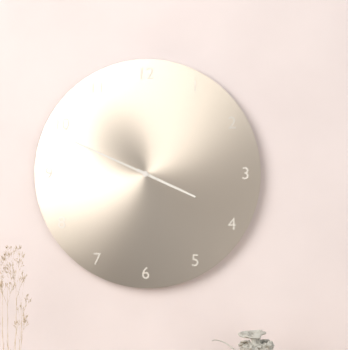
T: 3 h 49 min
